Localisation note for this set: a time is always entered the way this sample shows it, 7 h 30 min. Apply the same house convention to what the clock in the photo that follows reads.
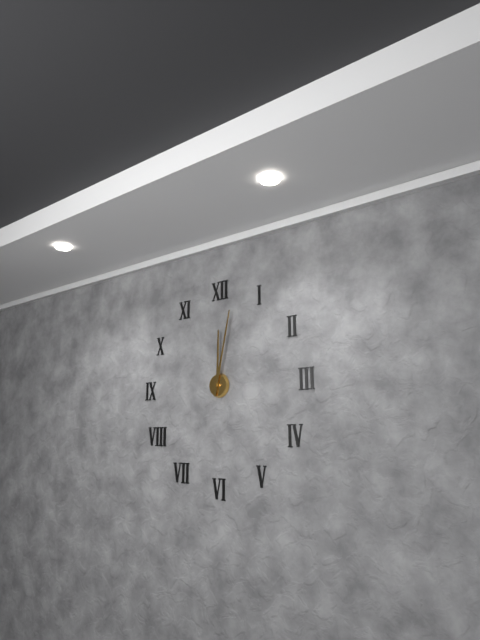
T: 12 h 02 min
